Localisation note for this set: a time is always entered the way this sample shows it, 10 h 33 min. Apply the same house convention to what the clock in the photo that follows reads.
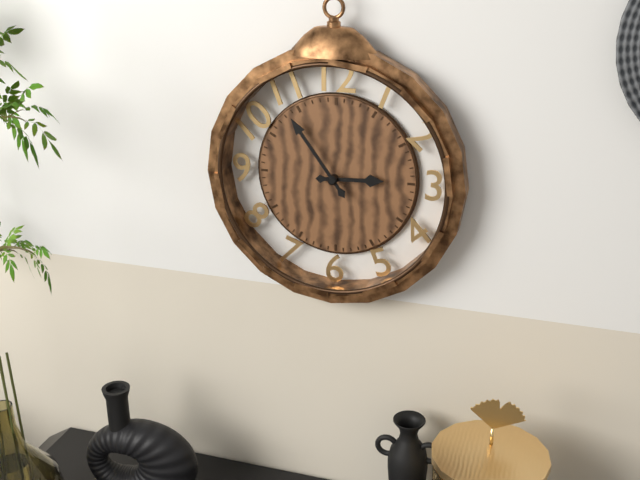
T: 2 h 54 min
